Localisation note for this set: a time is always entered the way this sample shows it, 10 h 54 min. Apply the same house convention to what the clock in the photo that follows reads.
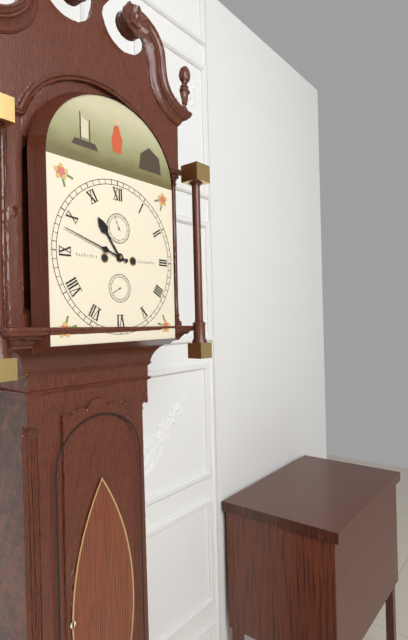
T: 10 h 48 min
